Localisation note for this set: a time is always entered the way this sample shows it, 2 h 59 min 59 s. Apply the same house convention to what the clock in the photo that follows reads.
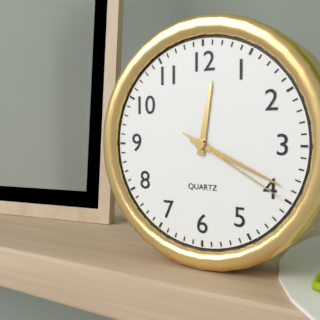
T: 12 h 19 min 20 s
